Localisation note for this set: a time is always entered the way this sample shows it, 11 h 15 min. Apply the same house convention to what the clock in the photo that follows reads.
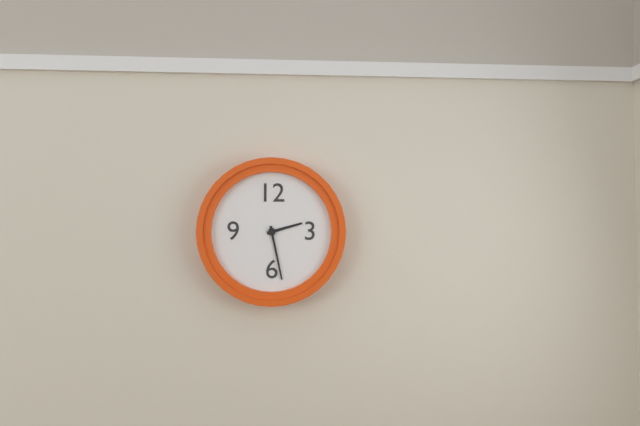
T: 2 h 28 min
